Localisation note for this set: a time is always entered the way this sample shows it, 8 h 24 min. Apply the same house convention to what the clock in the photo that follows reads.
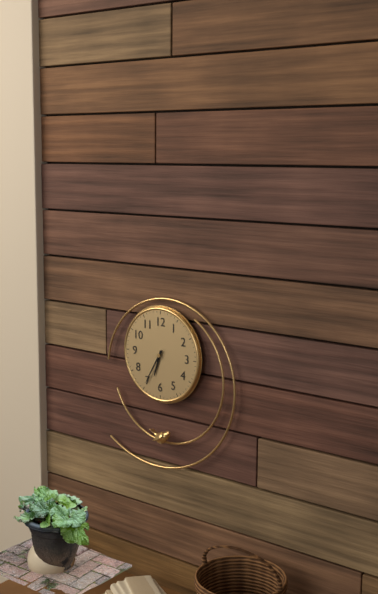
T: 6 h 35 min
